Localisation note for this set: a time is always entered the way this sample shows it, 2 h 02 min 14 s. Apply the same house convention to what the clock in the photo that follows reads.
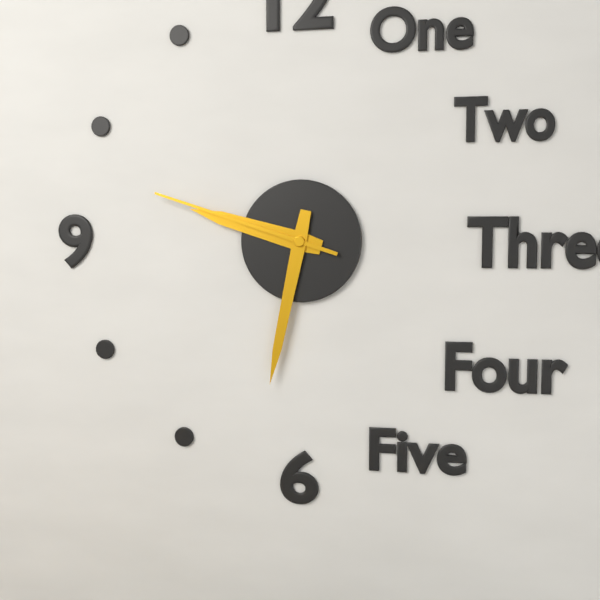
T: 9 h 32 min 48 s
